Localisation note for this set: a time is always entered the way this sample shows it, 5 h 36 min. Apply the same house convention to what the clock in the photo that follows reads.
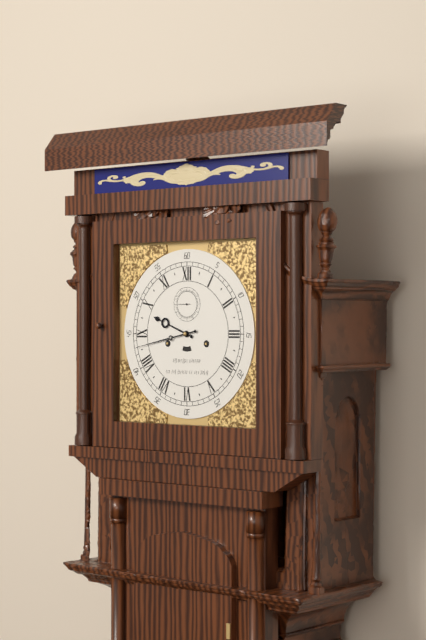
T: 9 h 43 min
